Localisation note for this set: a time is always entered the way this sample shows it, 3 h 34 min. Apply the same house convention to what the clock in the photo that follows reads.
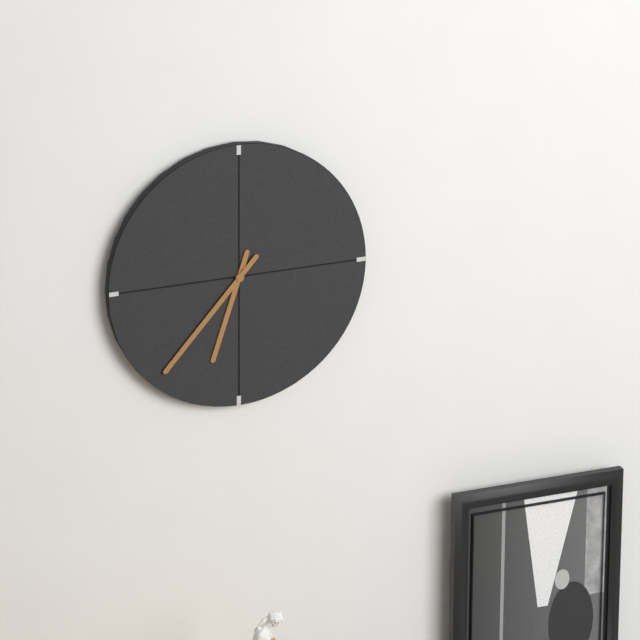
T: 6 h 37 min
